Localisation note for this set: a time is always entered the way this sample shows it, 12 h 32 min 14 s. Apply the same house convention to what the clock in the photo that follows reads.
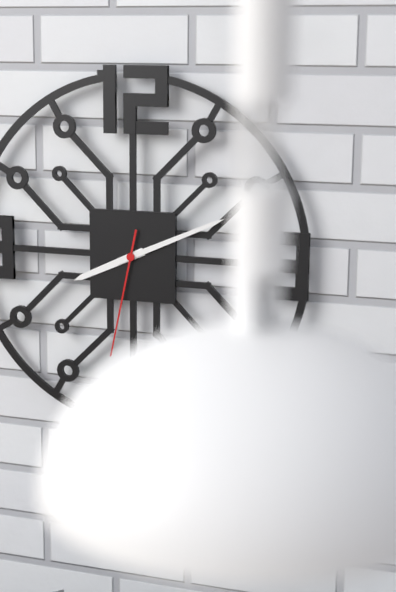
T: 8 h 11 min 32 s
